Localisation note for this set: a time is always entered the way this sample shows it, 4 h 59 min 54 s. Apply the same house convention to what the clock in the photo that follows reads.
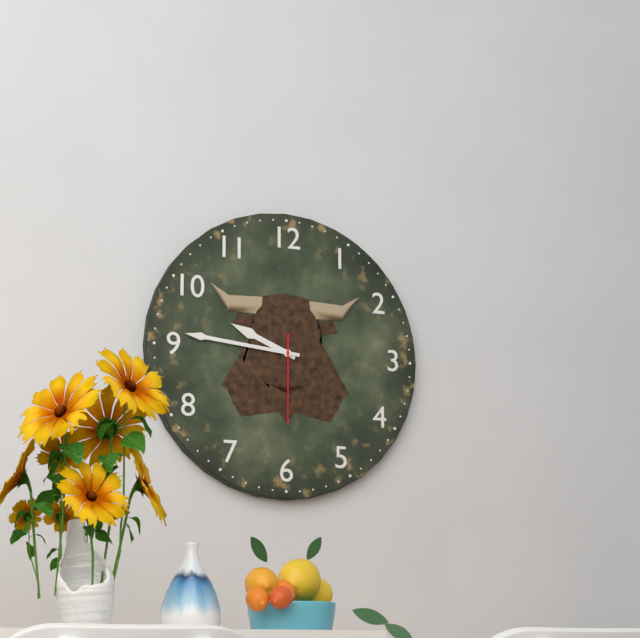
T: 9 h 46 min 30 s
